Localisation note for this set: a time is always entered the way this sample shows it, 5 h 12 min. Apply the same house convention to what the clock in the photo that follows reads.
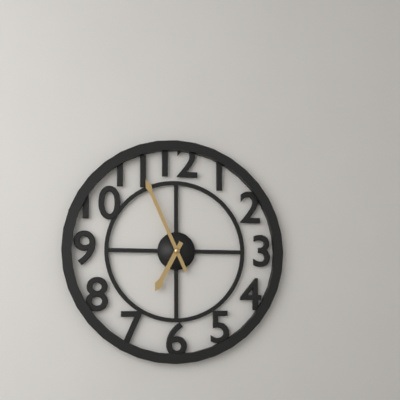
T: 6 h 56 min
